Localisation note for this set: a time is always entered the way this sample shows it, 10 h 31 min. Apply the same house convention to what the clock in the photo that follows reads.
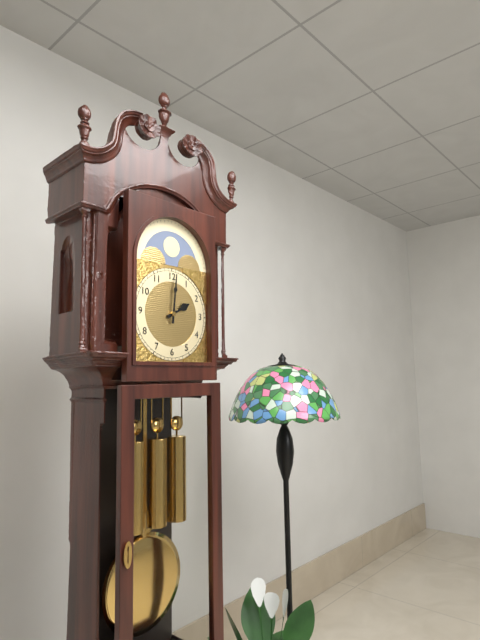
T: 2 h 01 min
